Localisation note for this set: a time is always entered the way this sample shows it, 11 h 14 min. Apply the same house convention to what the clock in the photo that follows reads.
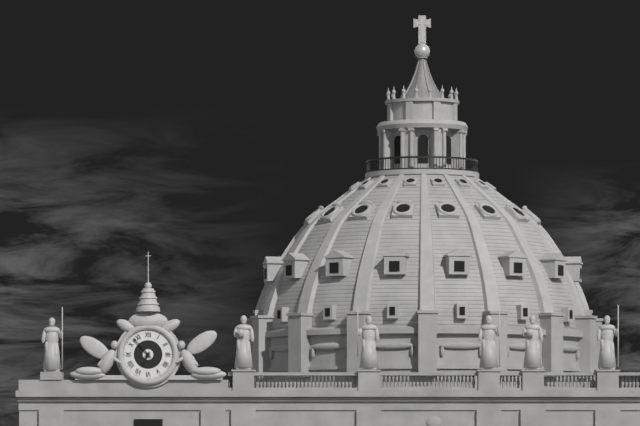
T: 6 h 53 min
